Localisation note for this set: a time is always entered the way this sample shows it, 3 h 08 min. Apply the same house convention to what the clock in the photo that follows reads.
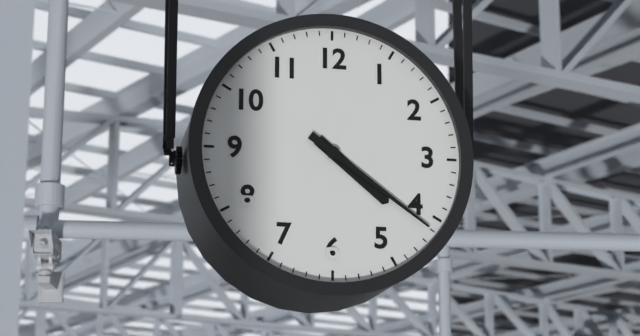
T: 4 h 21 min
